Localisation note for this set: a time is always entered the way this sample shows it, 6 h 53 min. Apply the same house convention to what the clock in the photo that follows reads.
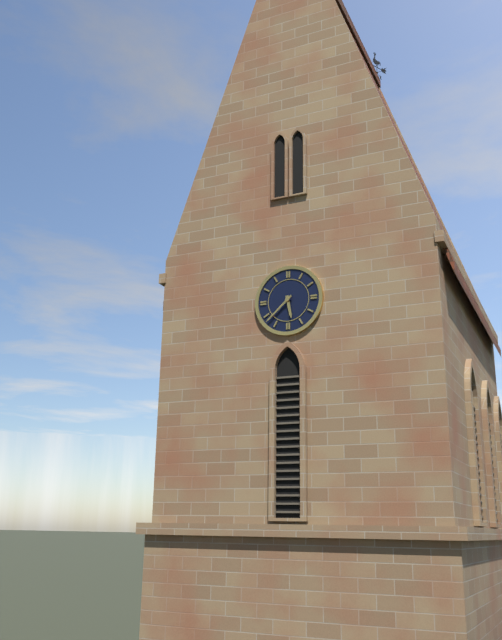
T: 5 h 38 min
